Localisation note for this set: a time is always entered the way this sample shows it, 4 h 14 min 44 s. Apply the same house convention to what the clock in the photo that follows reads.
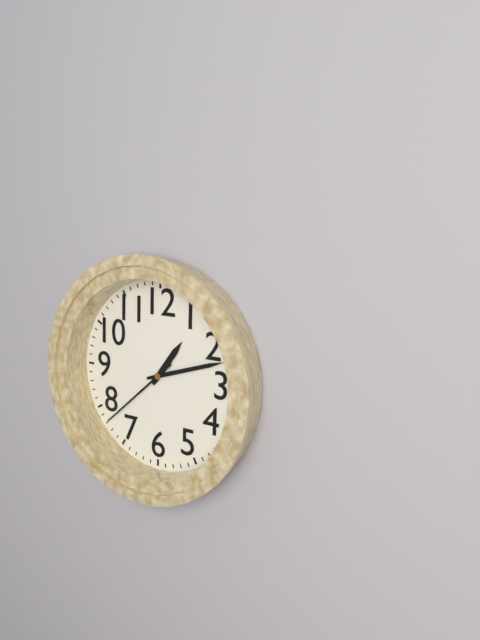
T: 1 h 12 min 38 s
